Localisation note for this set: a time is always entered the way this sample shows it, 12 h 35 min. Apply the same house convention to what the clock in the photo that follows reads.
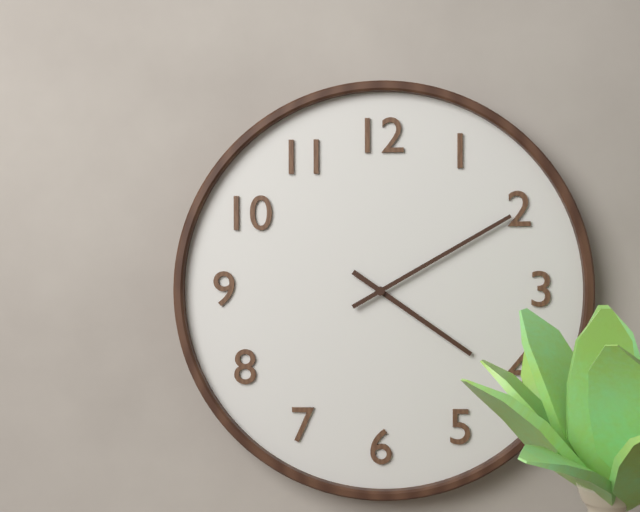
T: 4 h 10 min
